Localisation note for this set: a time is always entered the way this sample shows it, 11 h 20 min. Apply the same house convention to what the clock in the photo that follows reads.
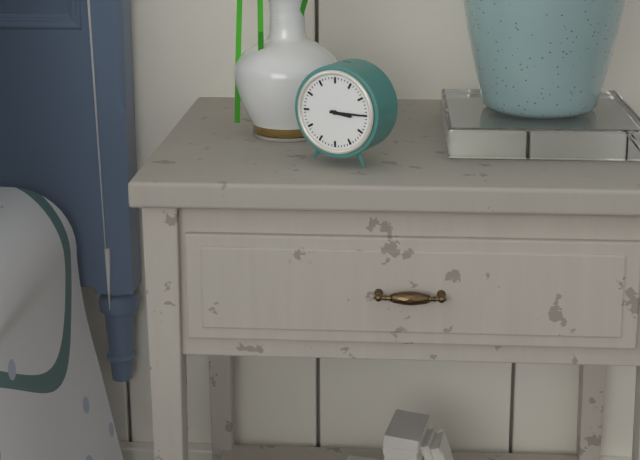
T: 3 h 15 min
